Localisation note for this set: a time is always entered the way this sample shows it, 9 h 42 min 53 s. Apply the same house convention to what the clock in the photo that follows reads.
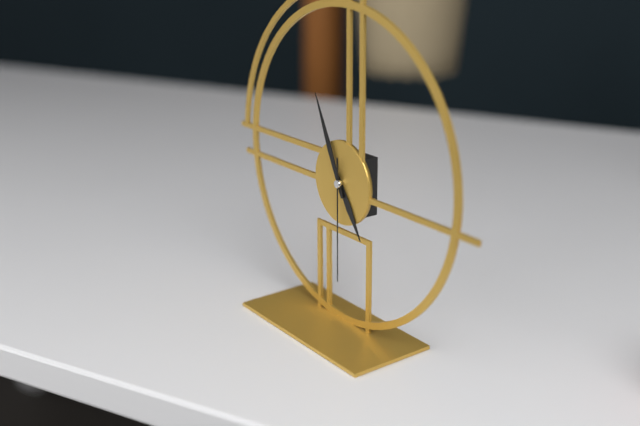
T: 4 h 56 min 30 s
